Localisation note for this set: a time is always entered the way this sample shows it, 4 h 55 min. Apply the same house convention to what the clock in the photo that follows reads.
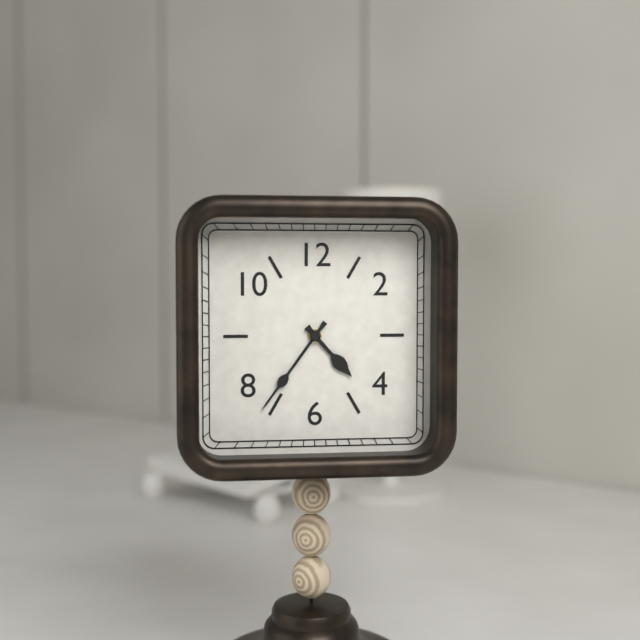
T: 4 h 36 min
